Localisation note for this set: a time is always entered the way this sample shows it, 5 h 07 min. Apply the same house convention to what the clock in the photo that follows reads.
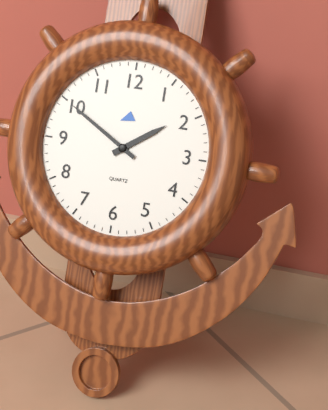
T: 1 h 50 min
